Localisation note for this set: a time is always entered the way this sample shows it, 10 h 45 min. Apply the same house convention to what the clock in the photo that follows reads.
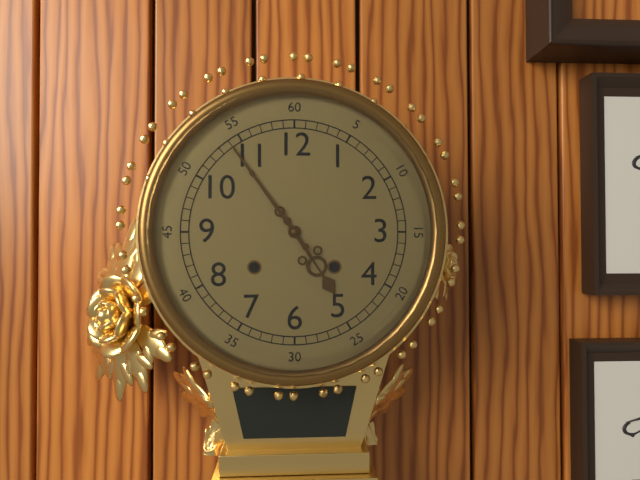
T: 4 h 54 min
